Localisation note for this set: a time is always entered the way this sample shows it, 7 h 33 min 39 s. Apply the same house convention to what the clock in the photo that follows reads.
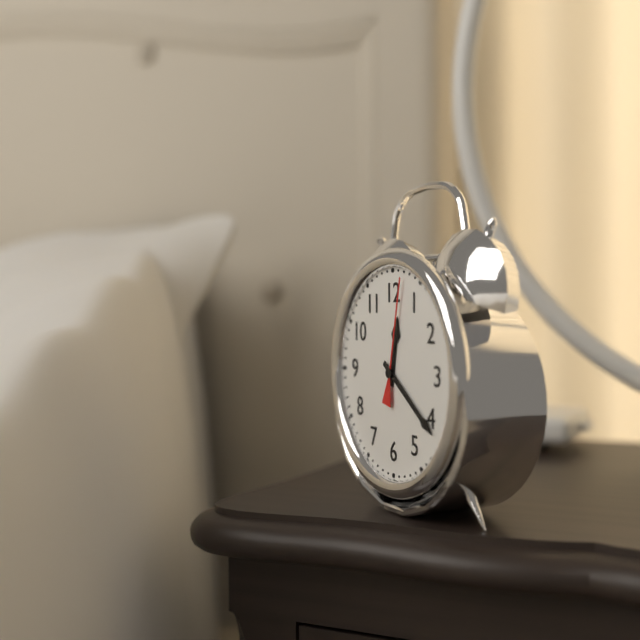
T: 12 h 21 min 02 s
